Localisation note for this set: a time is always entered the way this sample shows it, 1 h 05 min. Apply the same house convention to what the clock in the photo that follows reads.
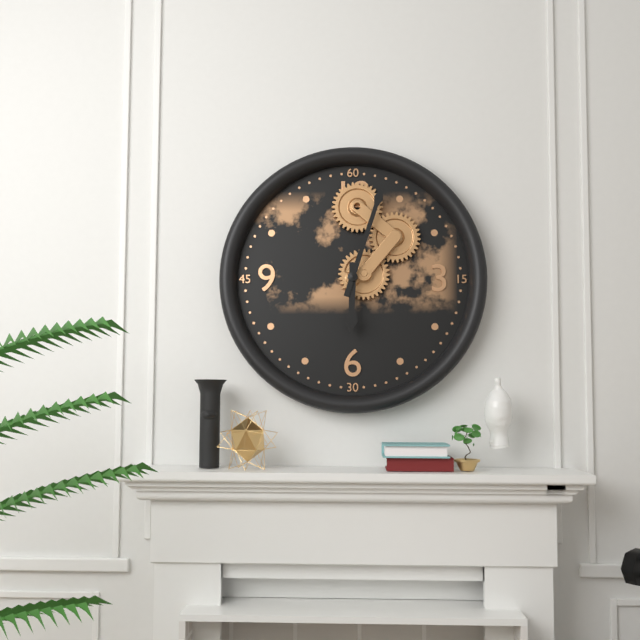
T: 6 h 03 min
